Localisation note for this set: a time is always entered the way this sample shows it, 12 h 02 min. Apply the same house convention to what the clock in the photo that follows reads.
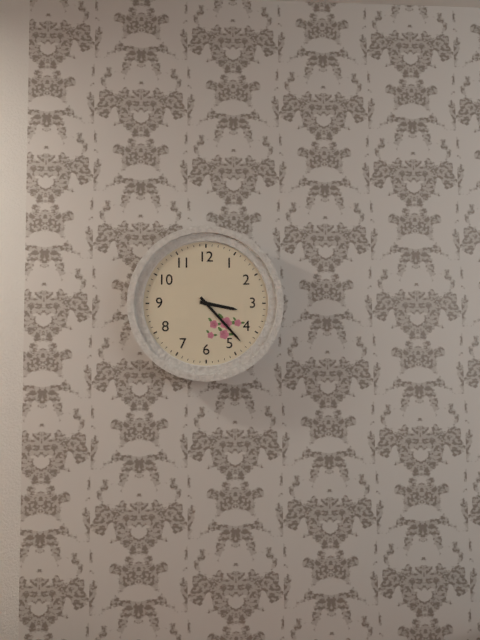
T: 3 h 23 min
